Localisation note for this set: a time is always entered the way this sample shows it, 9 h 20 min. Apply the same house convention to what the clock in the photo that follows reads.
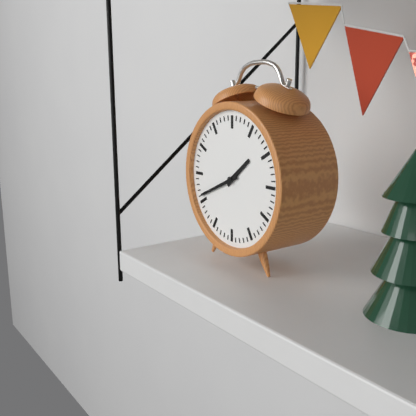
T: 1 h 41 min
